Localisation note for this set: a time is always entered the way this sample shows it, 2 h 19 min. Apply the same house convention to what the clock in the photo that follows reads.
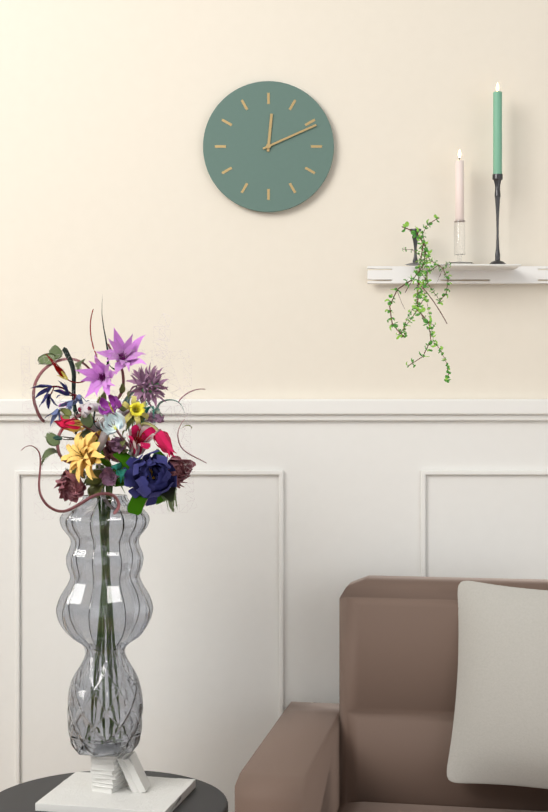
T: 12 h 11 min
